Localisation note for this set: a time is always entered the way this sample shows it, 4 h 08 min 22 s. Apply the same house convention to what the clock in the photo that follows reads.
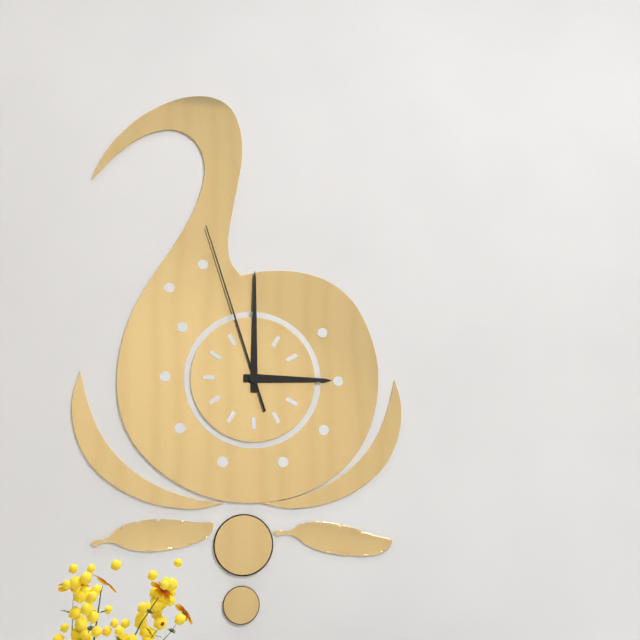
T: 3 h 00 min 57 s
